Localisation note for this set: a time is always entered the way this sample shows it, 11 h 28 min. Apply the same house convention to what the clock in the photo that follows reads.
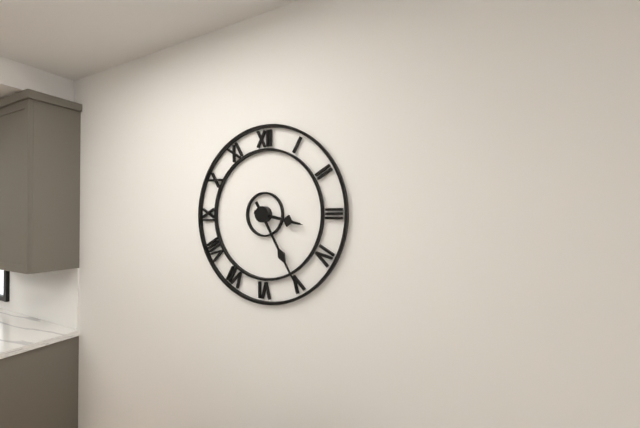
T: 3 h 25 min
